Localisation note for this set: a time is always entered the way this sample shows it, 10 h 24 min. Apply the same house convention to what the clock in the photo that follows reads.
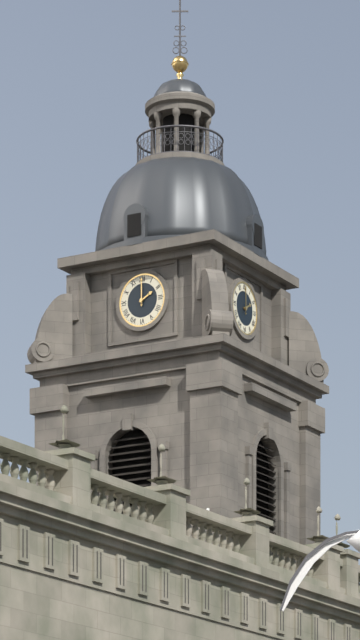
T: 2 h 00 min
